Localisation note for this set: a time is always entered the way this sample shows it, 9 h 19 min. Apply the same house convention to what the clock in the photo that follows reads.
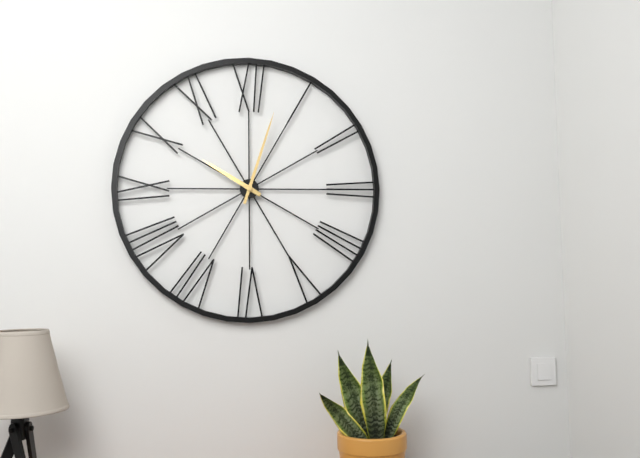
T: 10 h 03 min
